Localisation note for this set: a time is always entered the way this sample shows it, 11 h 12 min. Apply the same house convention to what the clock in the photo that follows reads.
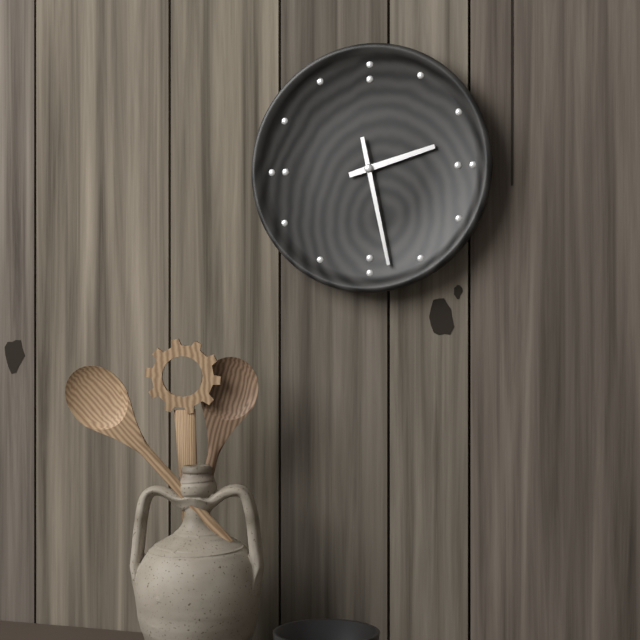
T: 2 h 28 min
